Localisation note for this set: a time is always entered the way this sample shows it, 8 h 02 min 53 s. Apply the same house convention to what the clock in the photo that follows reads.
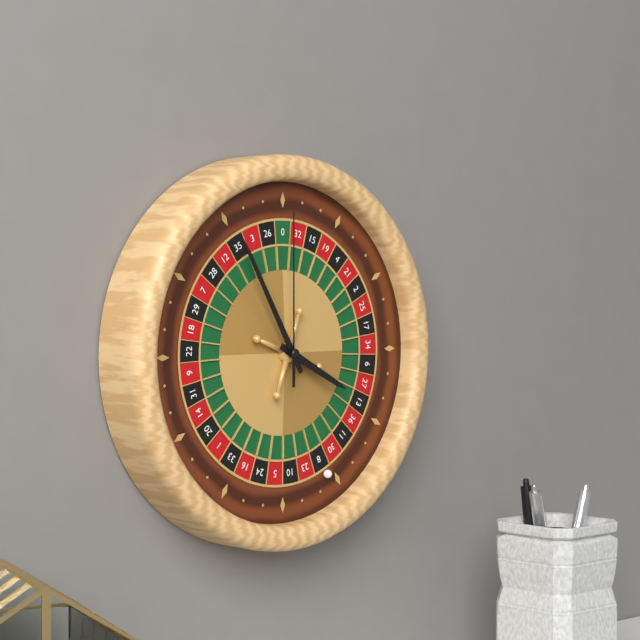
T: 3 h 55 min 00 s
